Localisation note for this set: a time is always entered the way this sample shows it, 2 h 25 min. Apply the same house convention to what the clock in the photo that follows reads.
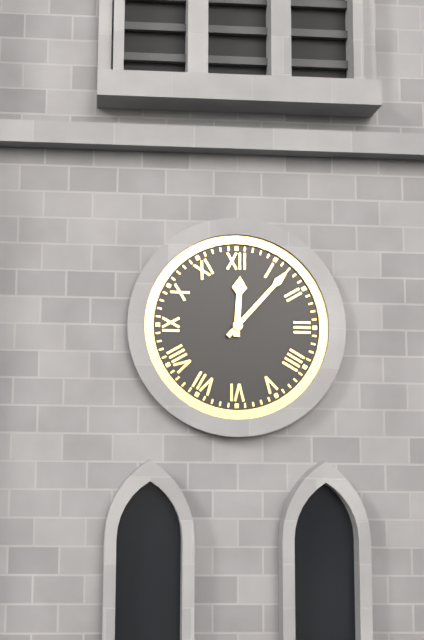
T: 12 h 07 min
